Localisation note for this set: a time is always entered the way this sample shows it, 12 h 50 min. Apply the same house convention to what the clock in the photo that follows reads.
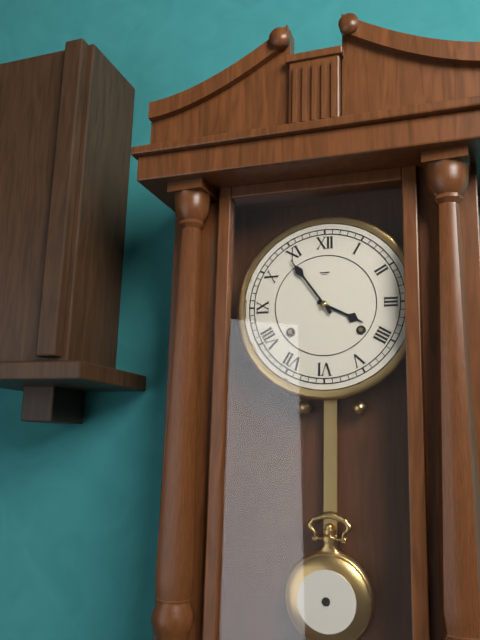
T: 3 h 54 min
